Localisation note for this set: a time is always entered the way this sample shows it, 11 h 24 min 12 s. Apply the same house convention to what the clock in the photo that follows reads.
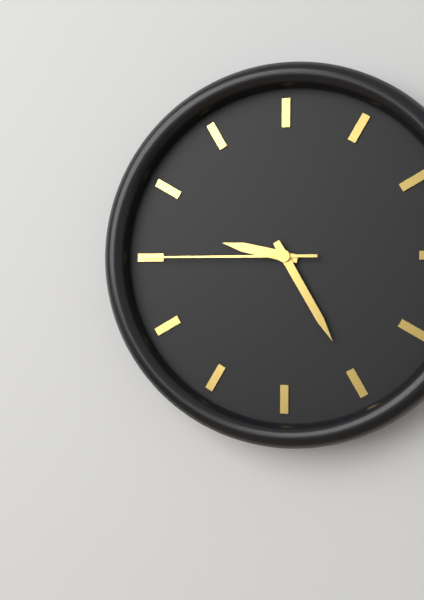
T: 9 h 25 min 45 s
